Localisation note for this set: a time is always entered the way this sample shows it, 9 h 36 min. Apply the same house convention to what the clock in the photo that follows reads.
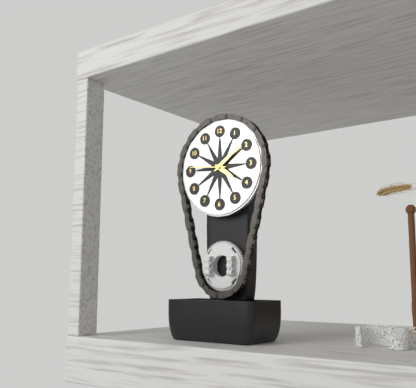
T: 4 h 09 min
